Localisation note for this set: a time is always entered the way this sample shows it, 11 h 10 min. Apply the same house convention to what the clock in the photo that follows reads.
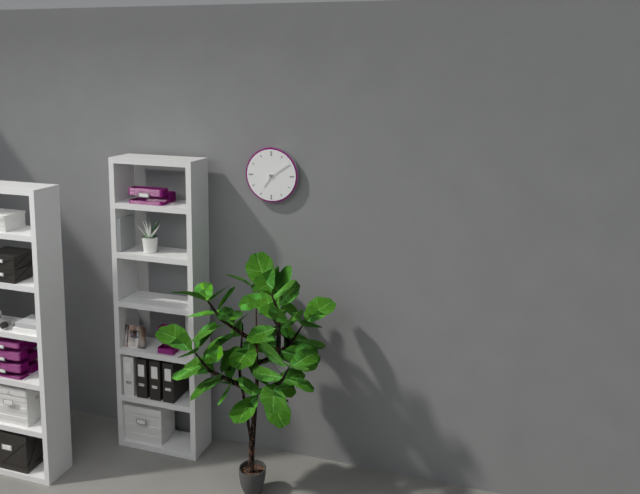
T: 7 h 09 min
